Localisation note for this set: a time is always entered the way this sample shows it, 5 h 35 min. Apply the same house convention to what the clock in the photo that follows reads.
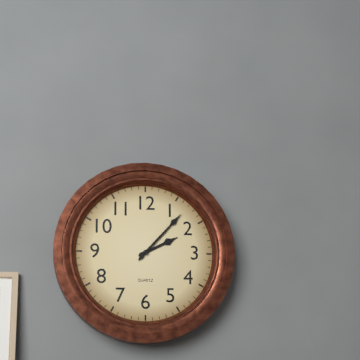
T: 2 h 07 min
